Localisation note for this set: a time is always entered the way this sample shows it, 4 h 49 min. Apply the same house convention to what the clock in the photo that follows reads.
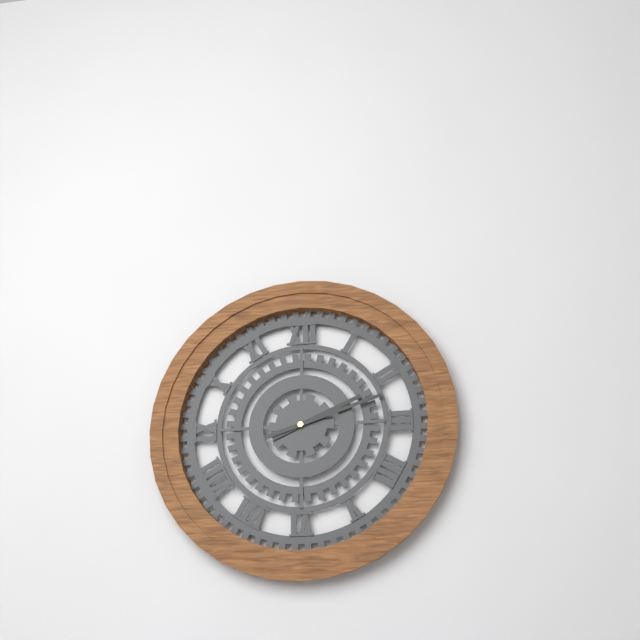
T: 2 h 12 min
